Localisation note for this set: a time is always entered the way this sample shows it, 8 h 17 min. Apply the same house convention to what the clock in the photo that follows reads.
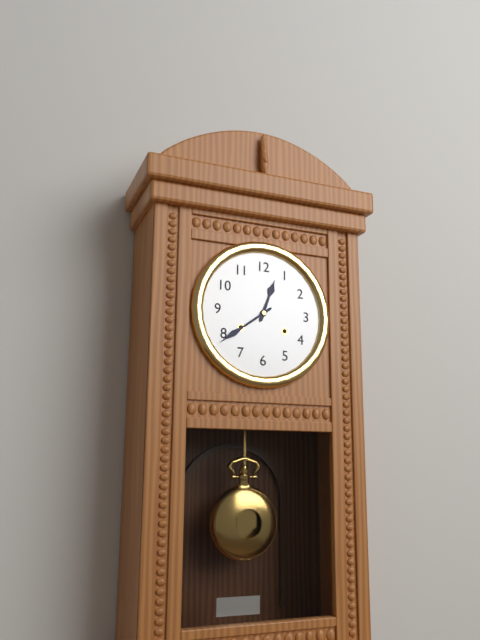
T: 12 h 39 min
